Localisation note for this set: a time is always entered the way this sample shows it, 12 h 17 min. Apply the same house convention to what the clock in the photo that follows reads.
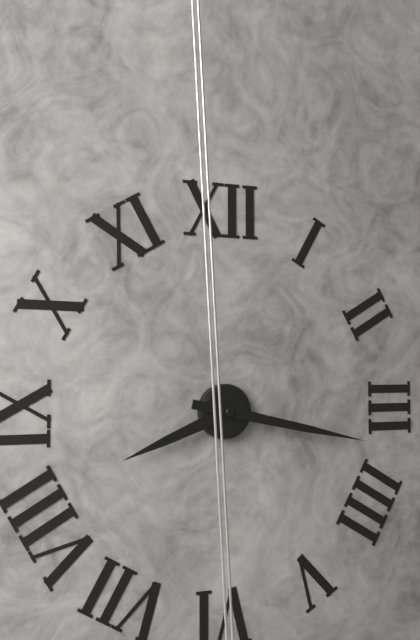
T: 8 h 17 min
